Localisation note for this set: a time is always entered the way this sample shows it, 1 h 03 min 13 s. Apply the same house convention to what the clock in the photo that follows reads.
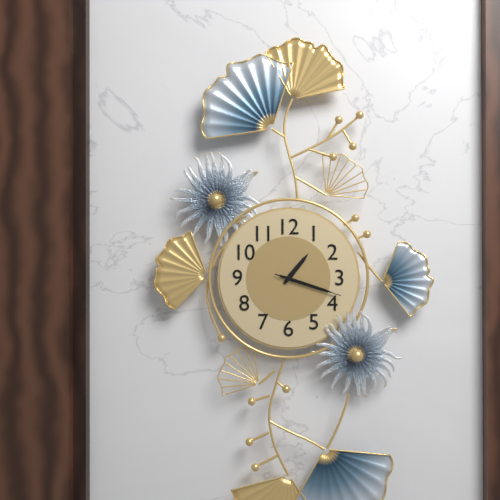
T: 1 h 18 min 18 s
